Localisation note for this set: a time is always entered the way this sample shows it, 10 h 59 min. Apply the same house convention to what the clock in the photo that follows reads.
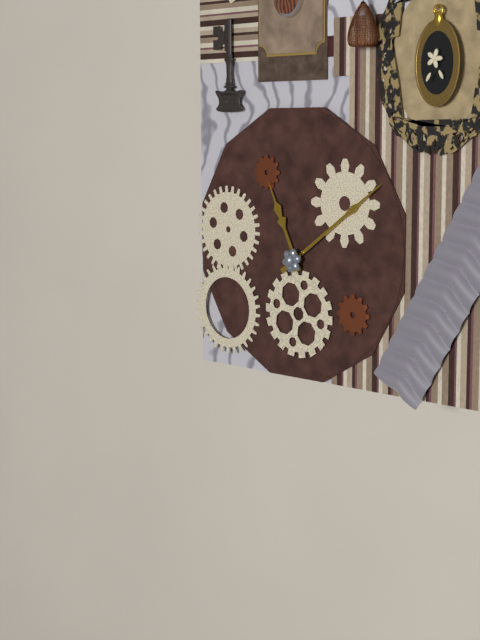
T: 11 h 09 min
